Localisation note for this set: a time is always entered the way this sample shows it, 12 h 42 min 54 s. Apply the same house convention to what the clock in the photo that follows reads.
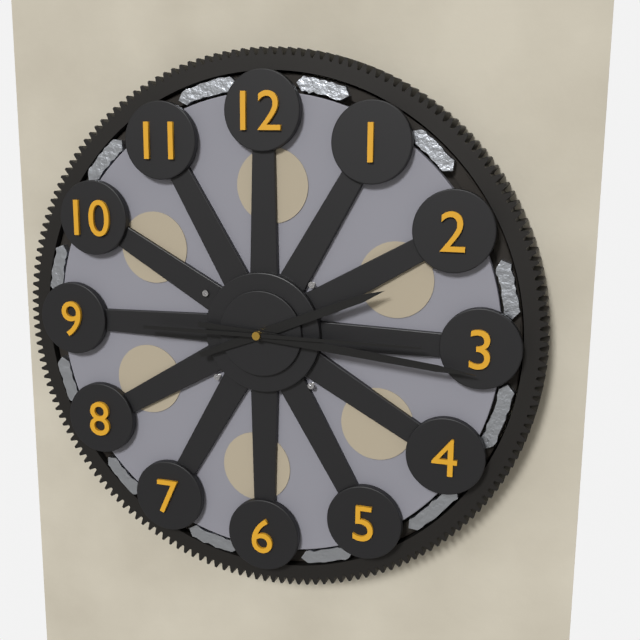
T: 2 h 16 min 15 s
